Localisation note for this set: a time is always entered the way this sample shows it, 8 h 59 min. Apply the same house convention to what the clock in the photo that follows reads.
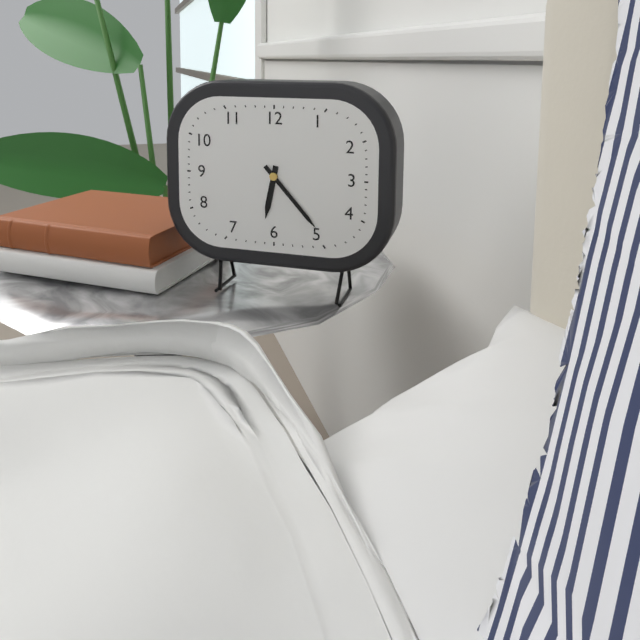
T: 6 h 23 min
